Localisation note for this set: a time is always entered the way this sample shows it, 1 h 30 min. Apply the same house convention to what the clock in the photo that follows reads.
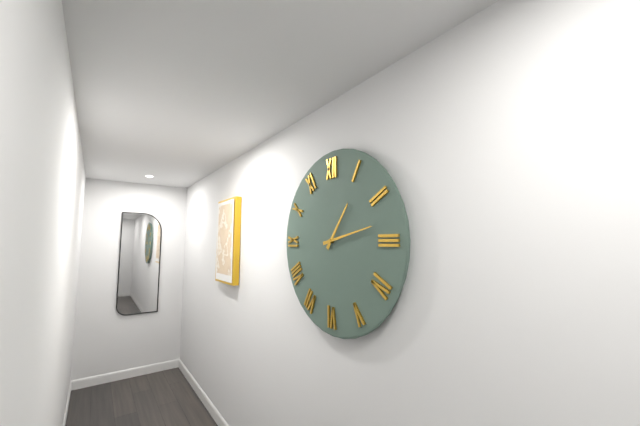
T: 1 h 13 min
